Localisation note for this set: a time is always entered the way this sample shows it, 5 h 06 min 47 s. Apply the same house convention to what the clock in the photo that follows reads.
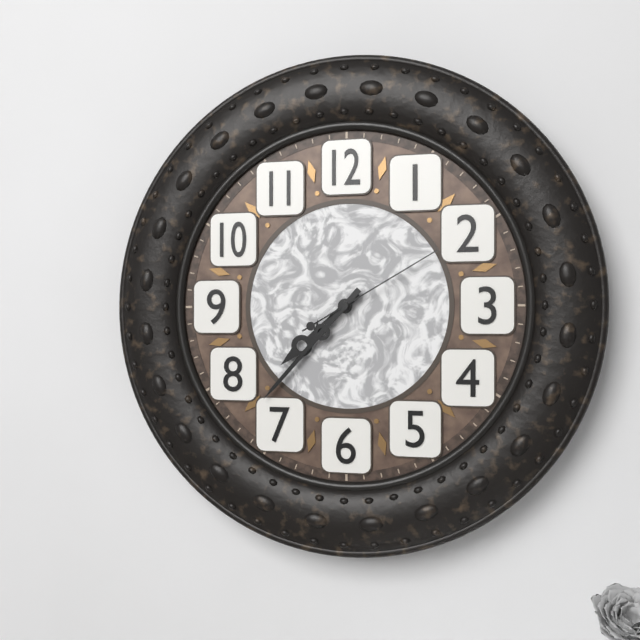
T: 7 h 37 min 10 s
